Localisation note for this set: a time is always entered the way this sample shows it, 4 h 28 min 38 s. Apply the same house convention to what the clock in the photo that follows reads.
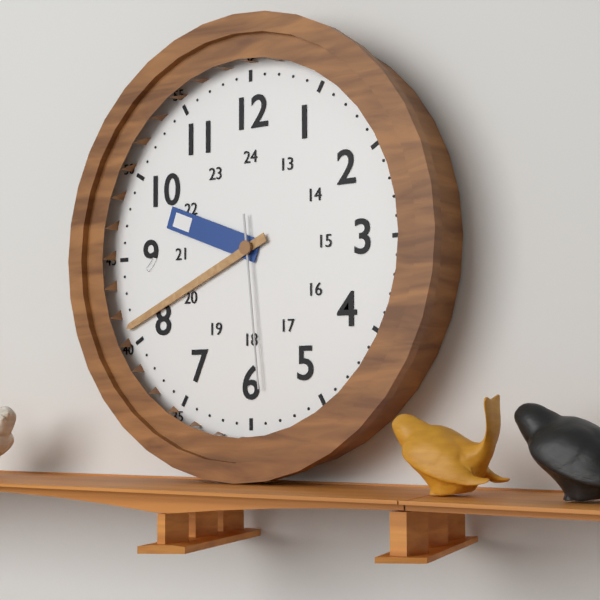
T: 9 h 41 min 29 s
